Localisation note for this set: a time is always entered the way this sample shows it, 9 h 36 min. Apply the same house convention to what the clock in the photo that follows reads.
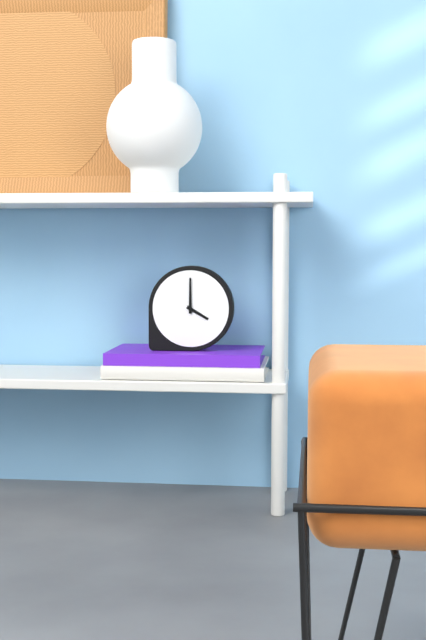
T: 4 h 00 min
